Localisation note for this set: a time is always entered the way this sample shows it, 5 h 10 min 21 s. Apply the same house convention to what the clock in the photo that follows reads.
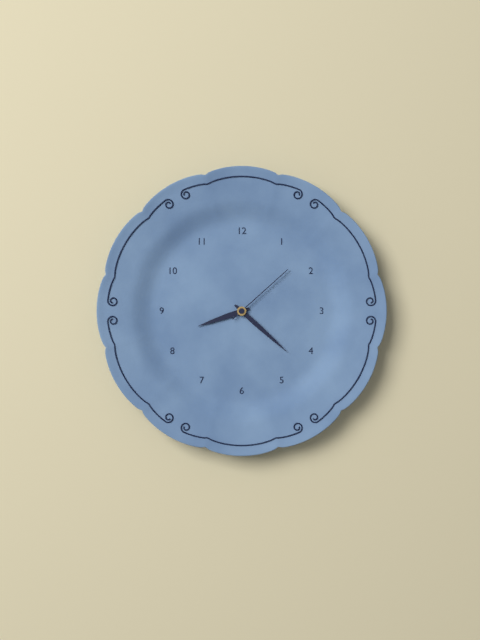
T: 8 h 22 min 08 s
